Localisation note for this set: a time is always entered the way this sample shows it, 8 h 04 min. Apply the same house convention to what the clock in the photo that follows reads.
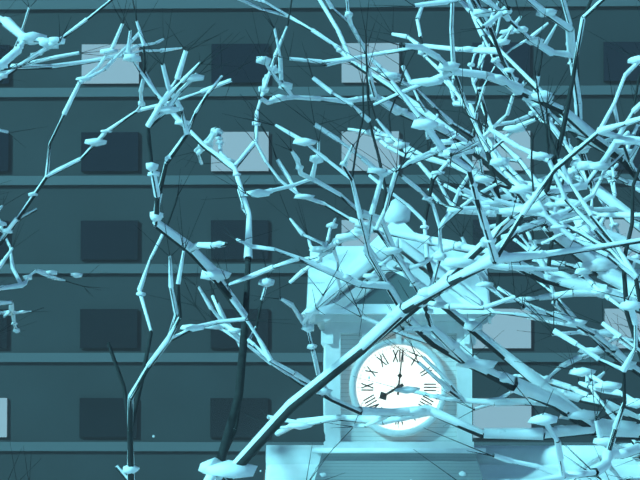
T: 8 h 01 min
